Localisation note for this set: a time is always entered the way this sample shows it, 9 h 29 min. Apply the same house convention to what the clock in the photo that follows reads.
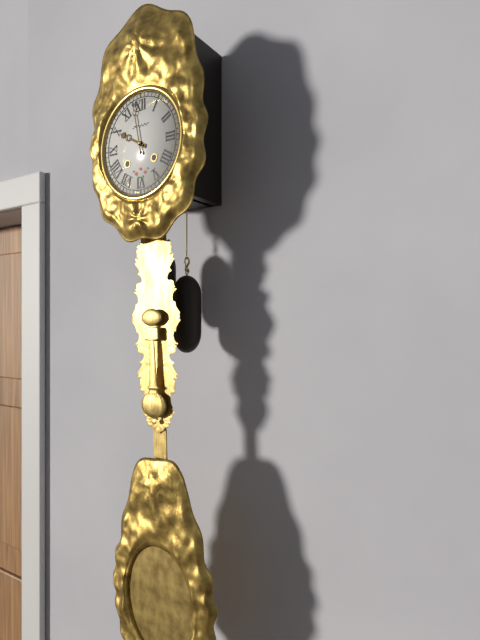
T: 9 h 58 min
